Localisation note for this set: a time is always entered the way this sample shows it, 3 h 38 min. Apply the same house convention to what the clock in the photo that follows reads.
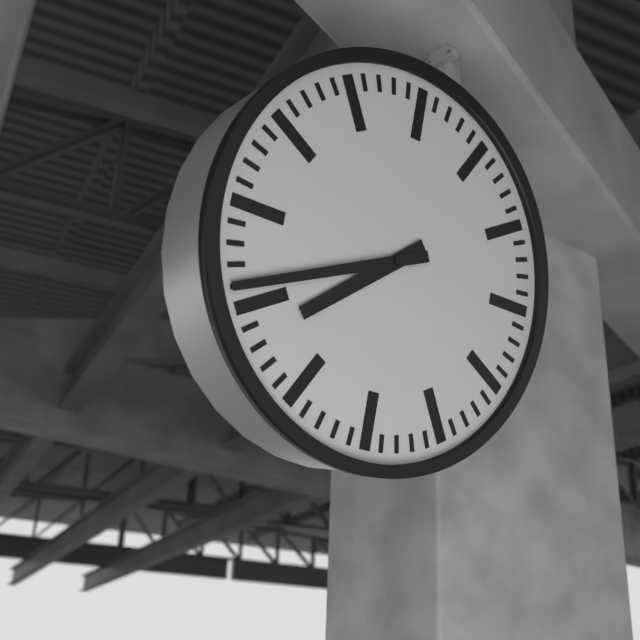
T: 7 h 41 min
